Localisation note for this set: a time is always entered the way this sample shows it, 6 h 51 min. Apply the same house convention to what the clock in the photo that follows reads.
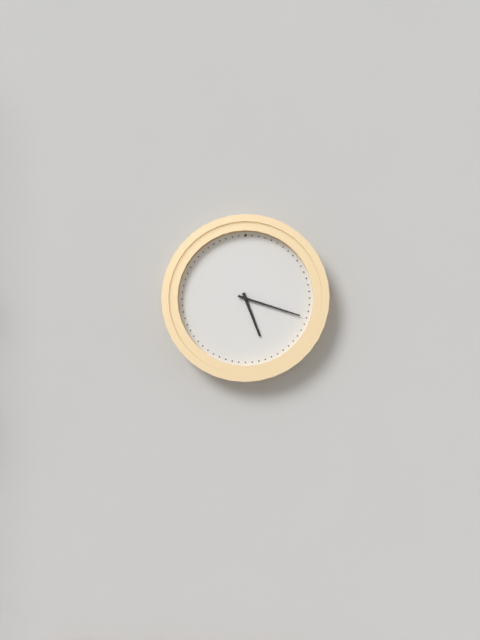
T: 5 h 18 min
